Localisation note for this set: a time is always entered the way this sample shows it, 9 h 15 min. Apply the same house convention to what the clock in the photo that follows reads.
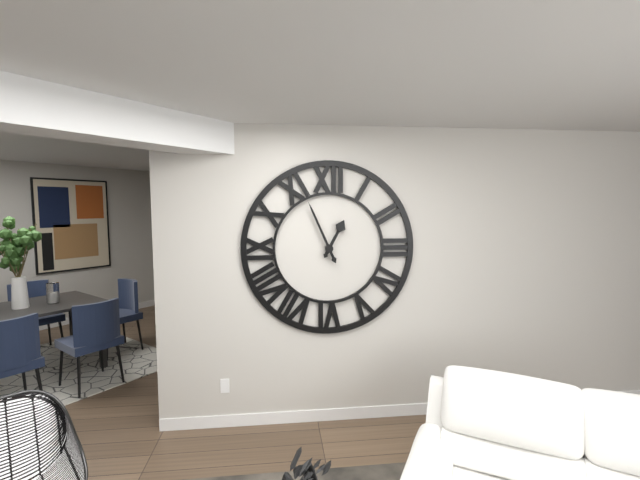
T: 12 h 56 min
